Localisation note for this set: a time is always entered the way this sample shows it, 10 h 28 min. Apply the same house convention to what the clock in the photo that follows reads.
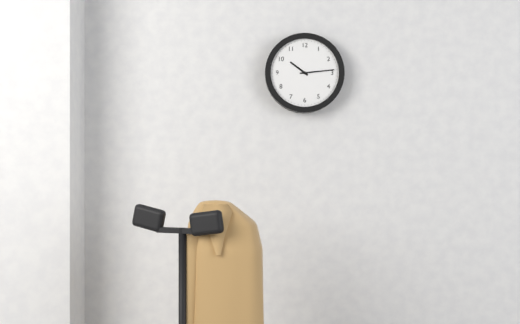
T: 10 h 14 min
